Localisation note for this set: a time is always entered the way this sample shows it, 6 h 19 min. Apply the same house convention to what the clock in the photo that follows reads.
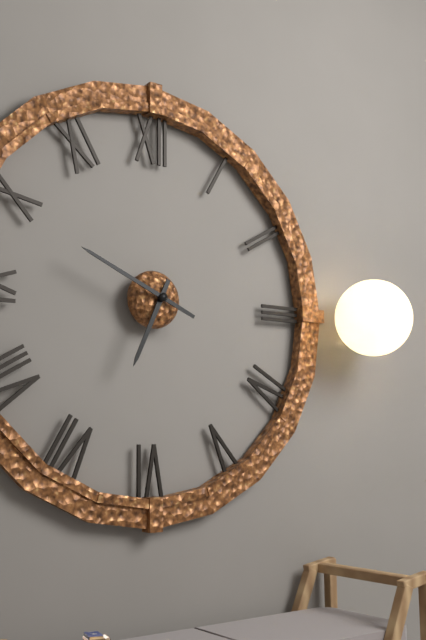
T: 6 h 49 min
